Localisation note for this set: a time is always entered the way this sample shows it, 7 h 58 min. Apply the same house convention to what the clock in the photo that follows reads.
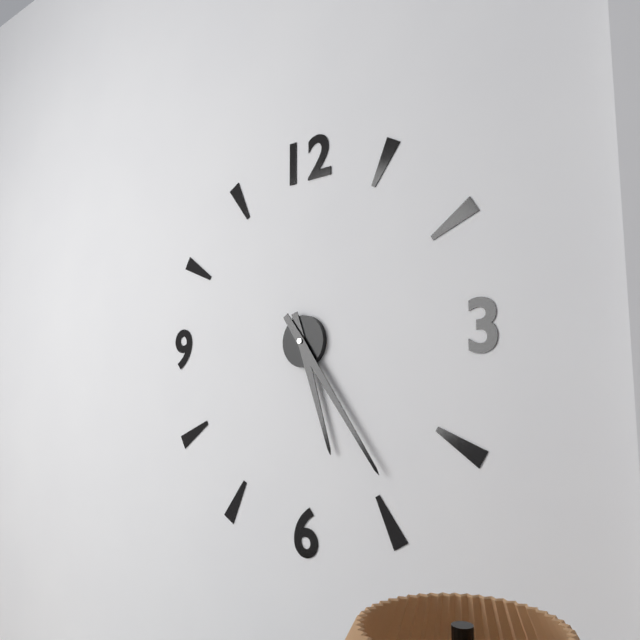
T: 5 h 24 min
